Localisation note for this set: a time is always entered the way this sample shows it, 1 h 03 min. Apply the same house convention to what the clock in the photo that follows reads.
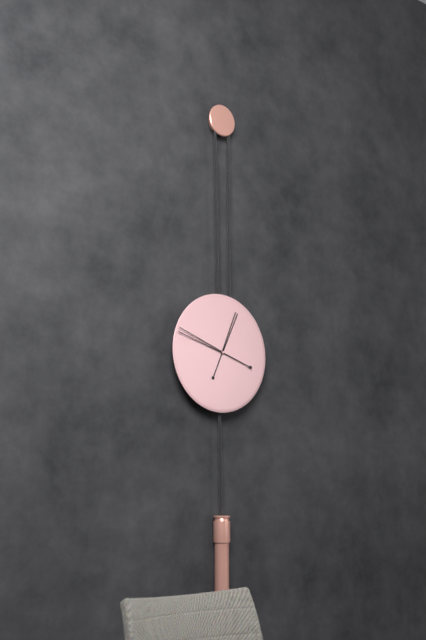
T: 12 h 48 min
